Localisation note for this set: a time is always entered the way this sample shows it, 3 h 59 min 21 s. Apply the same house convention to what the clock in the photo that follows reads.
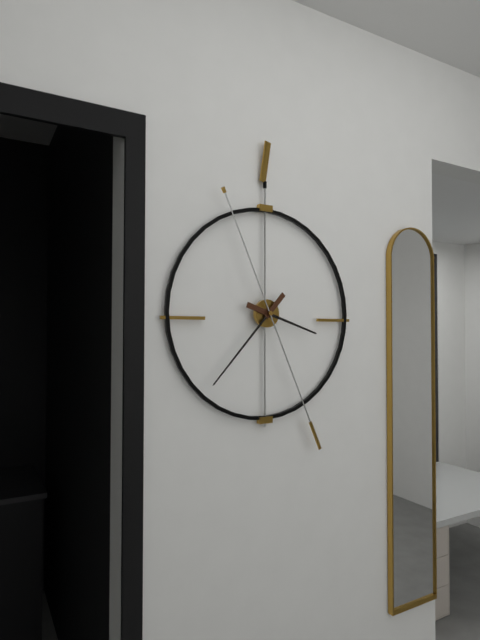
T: 3 h 37 min 26 s
